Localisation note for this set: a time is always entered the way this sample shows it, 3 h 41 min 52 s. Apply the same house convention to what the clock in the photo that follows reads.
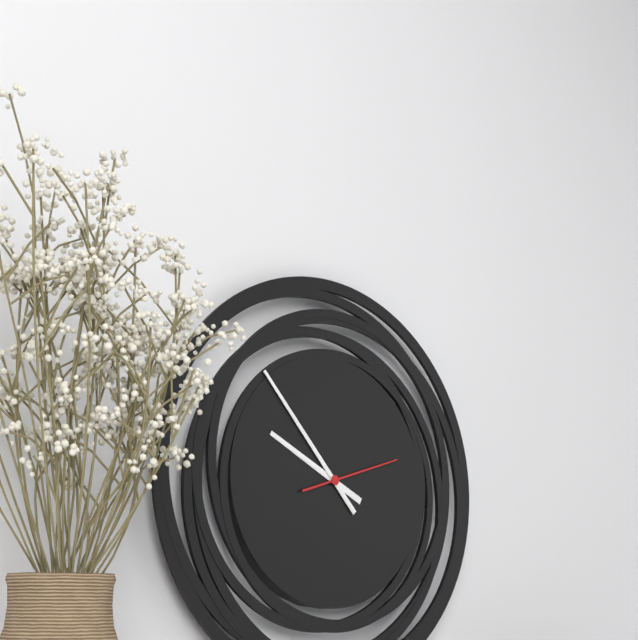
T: 9 h 53 min 12 s
